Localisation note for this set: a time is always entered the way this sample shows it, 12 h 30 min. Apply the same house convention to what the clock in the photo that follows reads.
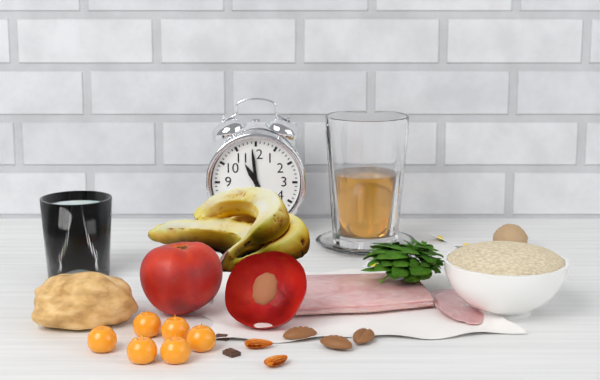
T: 10 h 59 min
